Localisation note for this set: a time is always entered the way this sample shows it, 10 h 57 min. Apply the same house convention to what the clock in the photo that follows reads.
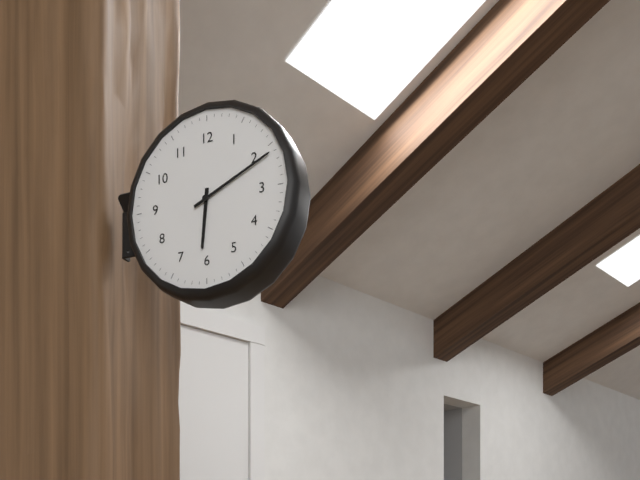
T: 6 h 11 min
